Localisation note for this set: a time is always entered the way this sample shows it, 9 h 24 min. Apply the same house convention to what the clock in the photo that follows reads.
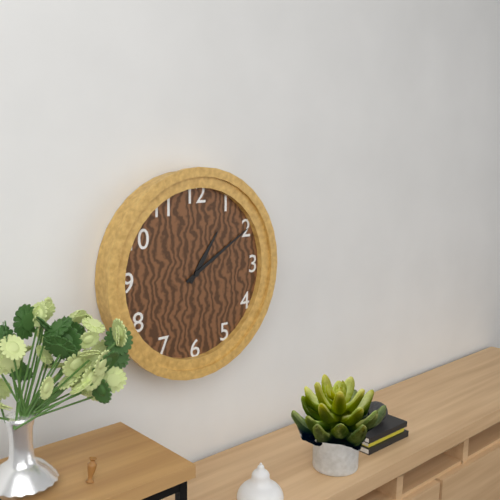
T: 1 h 10 min
